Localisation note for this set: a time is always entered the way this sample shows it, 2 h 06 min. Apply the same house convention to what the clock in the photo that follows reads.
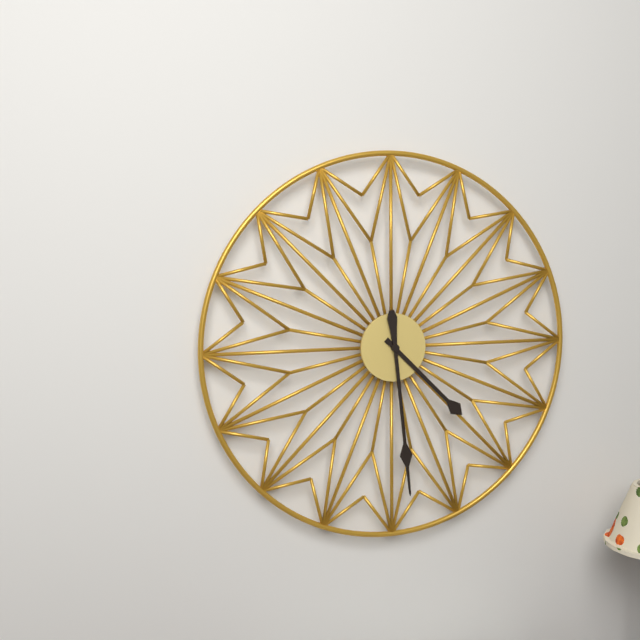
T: 4 h 29 min
